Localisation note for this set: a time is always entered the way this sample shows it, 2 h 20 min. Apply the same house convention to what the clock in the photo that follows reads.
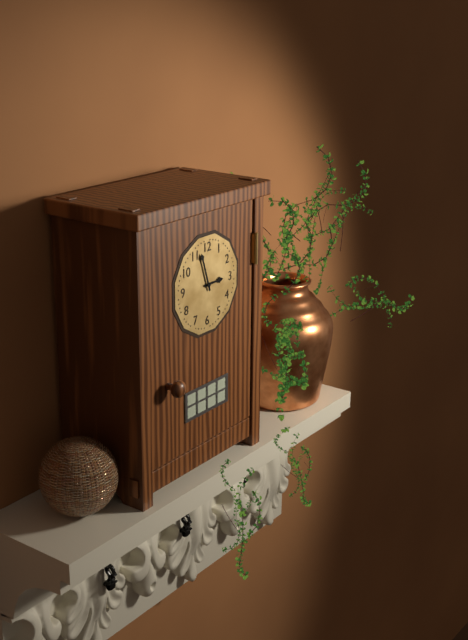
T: 2 h 57 min
